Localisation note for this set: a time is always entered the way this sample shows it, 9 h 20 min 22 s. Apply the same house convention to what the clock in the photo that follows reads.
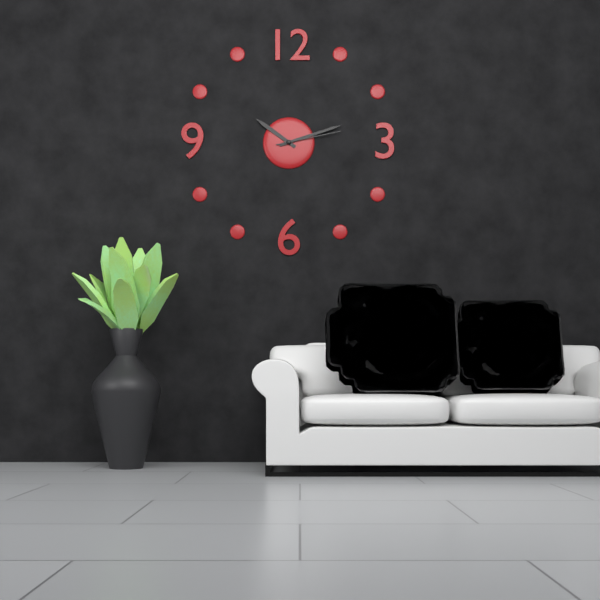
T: 10 h 12 min 13 s
